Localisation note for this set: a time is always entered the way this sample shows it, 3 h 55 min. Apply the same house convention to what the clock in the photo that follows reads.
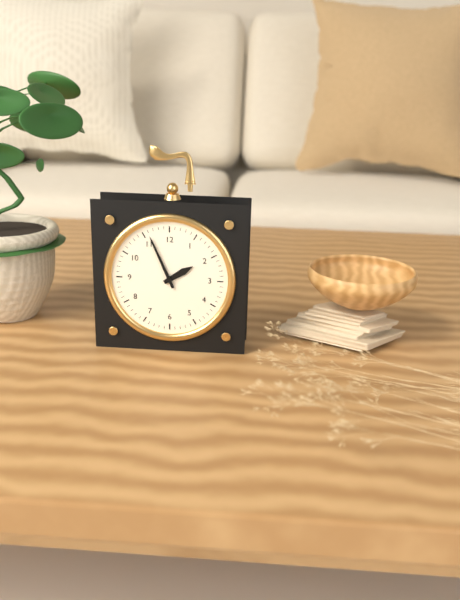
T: 1 h 56 min
